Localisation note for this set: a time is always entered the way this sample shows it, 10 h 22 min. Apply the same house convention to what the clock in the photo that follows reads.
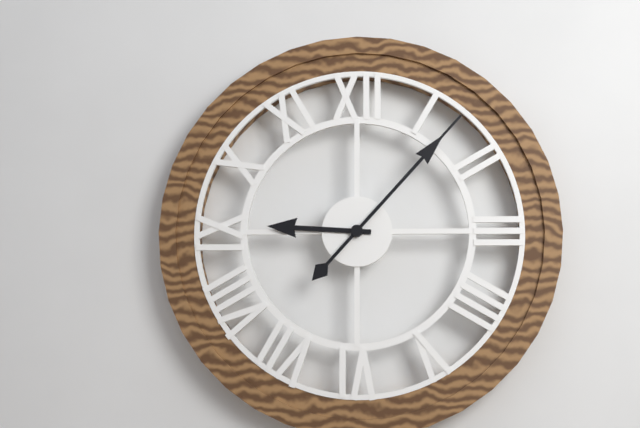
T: 9 h 07 min
